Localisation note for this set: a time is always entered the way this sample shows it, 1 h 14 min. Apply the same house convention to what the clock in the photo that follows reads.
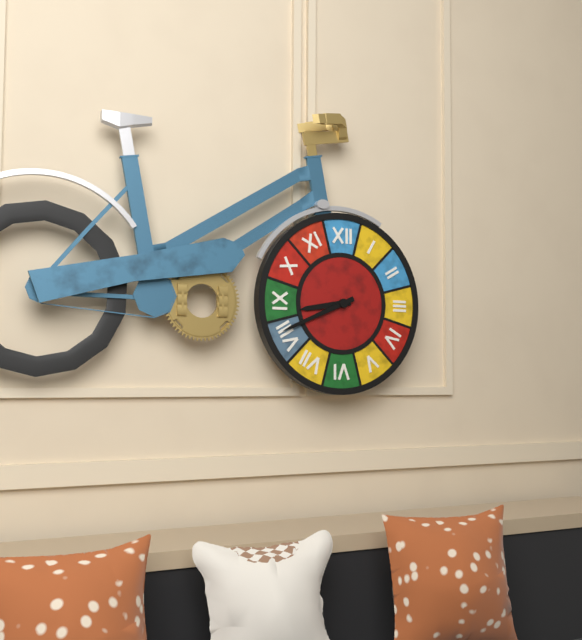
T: 8 h 41 min
